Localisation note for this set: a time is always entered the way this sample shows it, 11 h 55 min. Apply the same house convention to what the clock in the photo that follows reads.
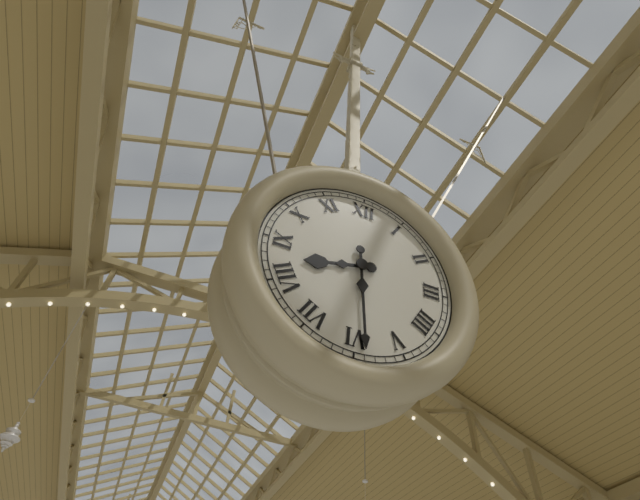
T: 8 h 29 min
